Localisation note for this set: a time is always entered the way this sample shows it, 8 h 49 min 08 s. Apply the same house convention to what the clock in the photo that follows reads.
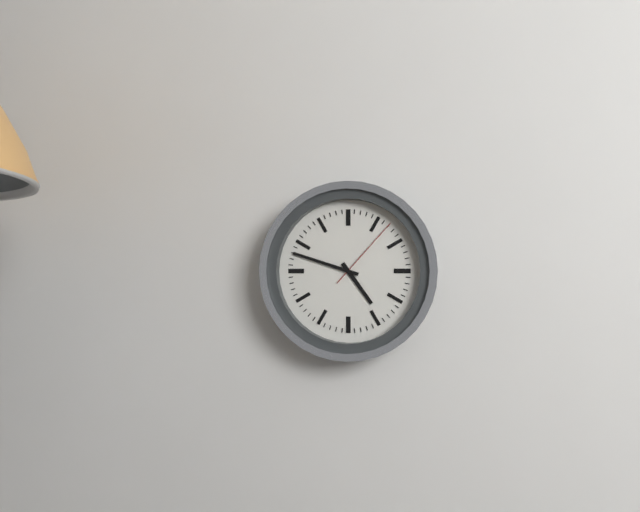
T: 4 h 48 min 07 s
